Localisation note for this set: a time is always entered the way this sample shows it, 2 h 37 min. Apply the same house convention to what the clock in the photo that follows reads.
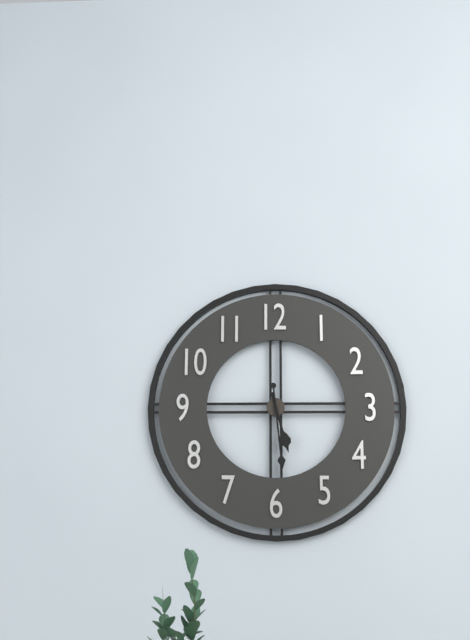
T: 5 h 29 min
